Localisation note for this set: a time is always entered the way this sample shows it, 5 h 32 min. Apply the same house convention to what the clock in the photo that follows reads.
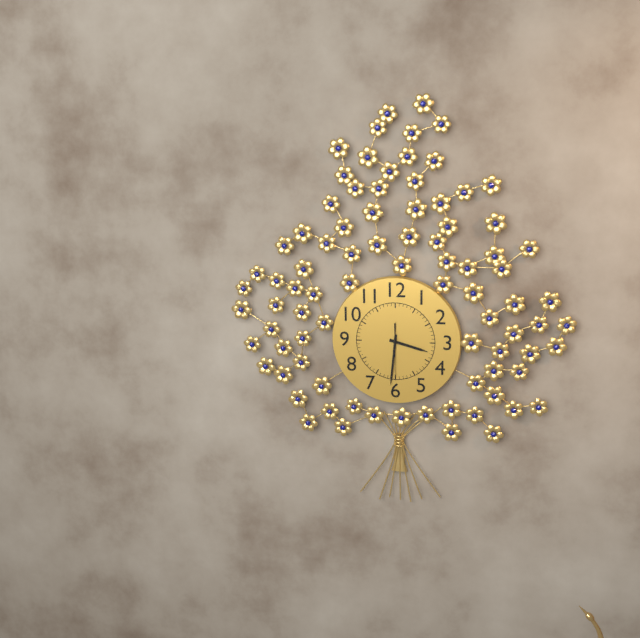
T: 3 h 31 min
